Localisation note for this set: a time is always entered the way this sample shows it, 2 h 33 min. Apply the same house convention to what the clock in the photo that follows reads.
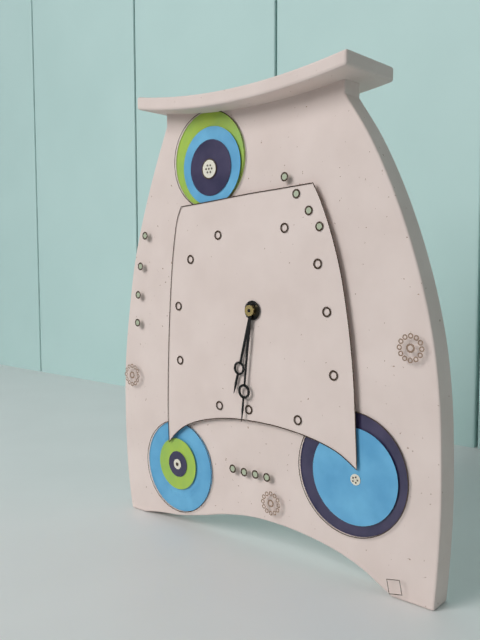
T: 6 h 31 min
